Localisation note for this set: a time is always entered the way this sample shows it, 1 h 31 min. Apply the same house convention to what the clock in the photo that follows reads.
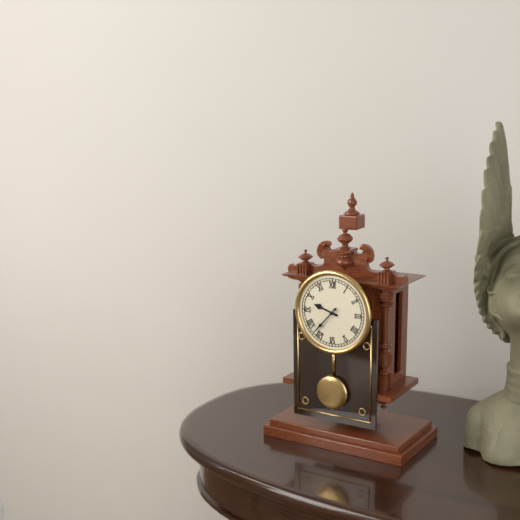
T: 9 h 37 min
